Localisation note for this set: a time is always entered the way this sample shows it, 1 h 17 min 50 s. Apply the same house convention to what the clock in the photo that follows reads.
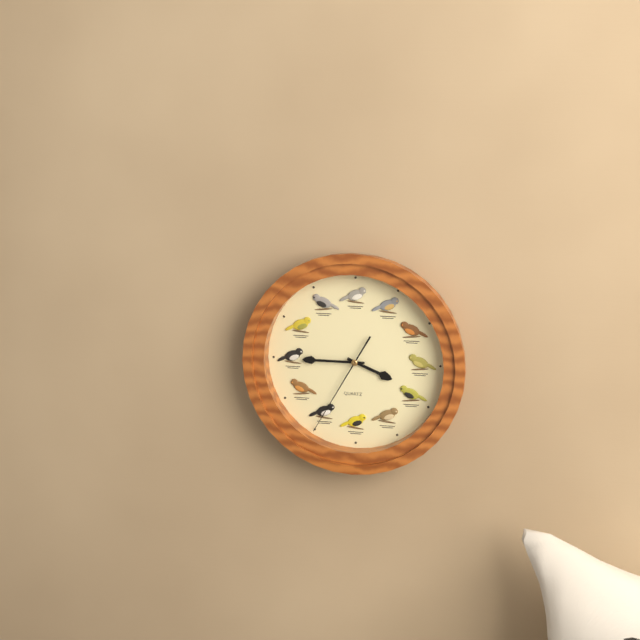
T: 3 h 45 min 35 s
